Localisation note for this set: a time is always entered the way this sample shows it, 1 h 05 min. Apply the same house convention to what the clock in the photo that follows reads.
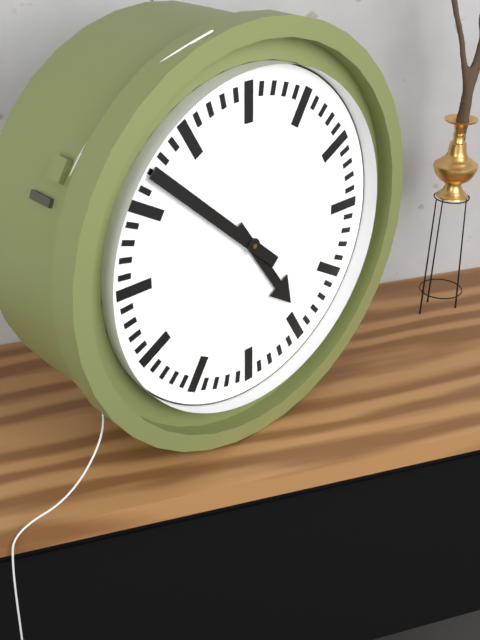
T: 4 h 52 min
